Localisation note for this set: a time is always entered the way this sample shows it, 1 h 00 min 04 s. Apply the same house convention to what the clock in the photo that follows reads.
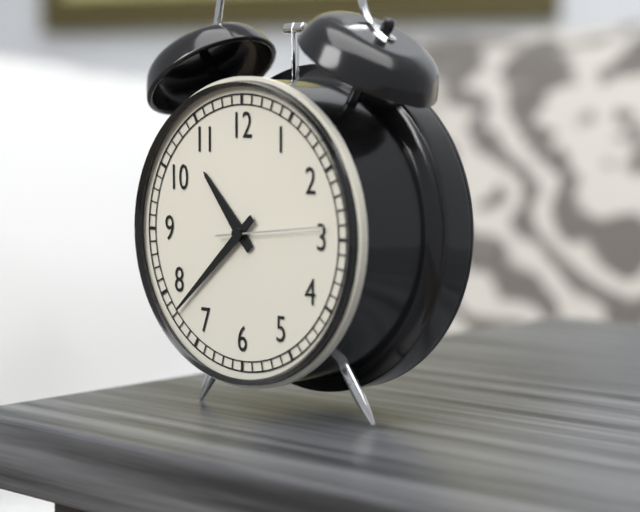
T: 10 h 38 min 14 s
